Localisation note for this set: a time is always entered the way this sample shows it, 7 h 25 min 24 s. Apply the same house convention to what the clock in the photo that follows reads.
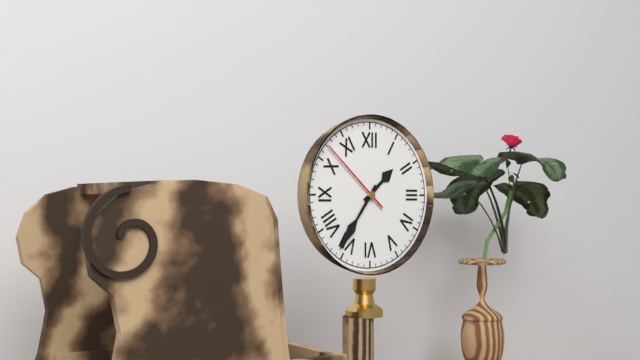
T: 1 h 36 min 52 s
